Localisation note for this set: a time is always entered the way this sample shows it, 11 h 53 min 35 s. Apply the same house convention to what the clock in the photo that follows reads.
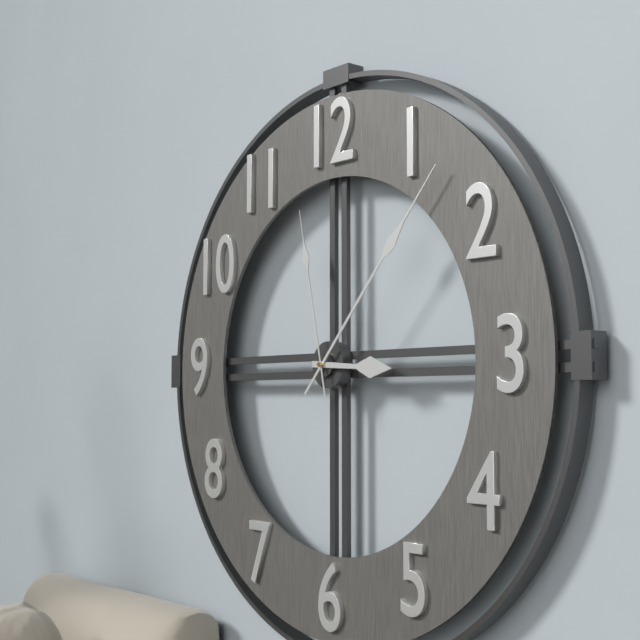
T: 3 h 07 min 58 s
